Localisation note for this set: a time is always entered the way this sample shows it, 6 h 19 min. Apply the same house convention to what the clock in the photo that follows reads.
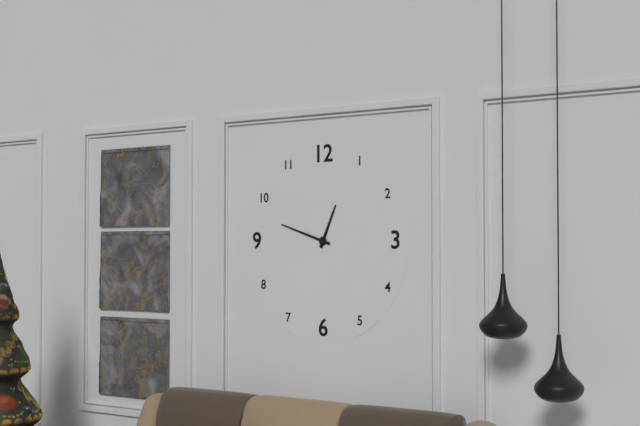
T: 12 h 48 min
